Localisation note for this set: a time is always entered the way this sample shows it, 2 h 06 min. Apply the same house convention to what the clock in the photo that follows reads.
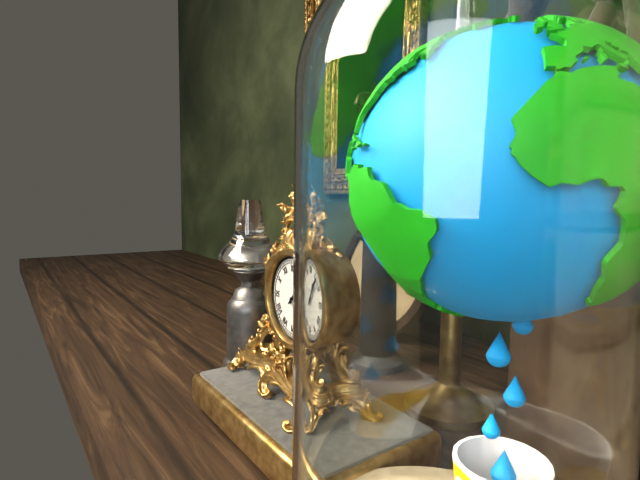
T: 1 h 07 min
